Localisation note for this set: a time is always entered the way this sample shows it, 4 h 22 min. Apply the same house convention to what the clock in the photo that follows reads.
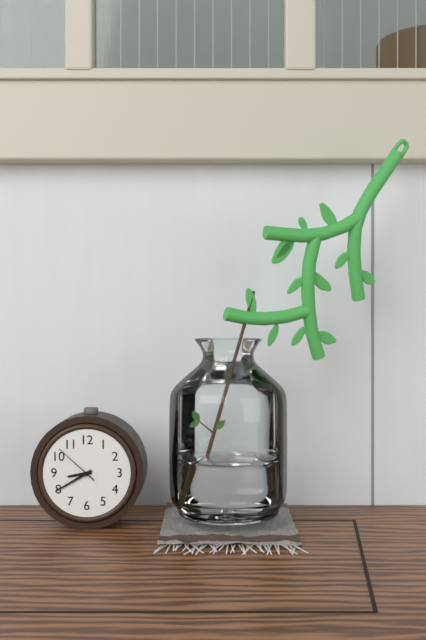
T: 8 h 40 min
